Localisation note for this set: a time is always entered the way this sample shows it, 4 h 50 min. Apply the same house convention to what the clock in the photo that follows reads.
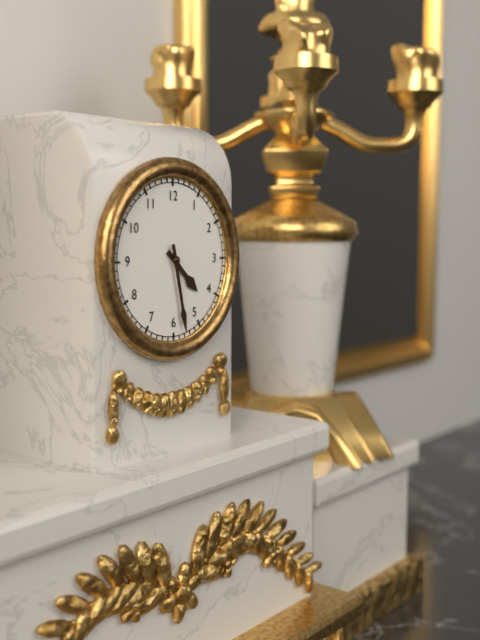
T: 4 h 28 min
